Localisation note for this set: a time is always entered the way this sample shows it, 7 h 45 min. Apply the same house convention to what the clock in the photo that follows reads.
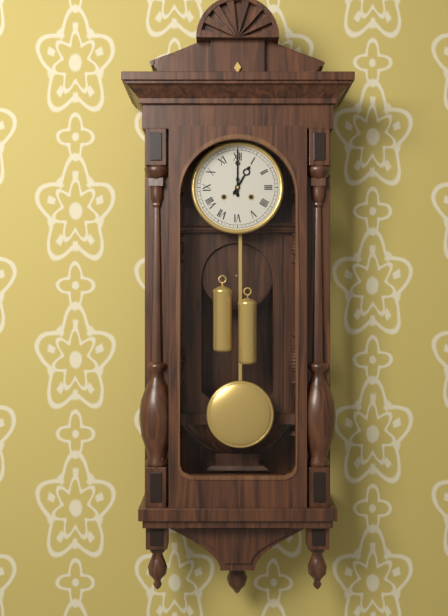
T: 1 h 00 min
